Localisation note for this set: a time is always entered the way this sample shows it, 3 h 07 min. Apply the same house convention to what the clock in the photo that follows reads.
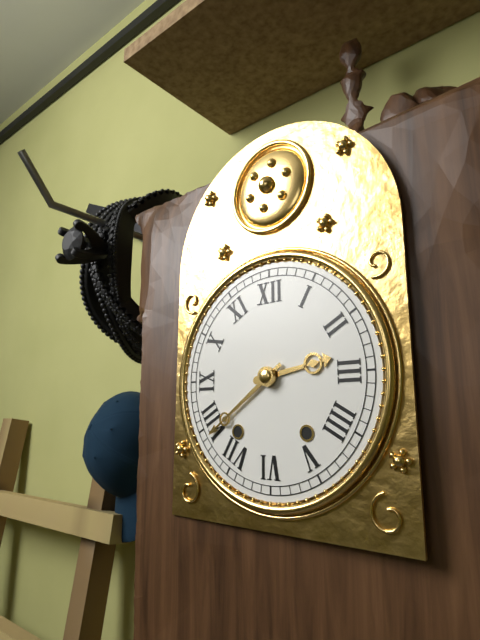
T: 2 h 39 min
